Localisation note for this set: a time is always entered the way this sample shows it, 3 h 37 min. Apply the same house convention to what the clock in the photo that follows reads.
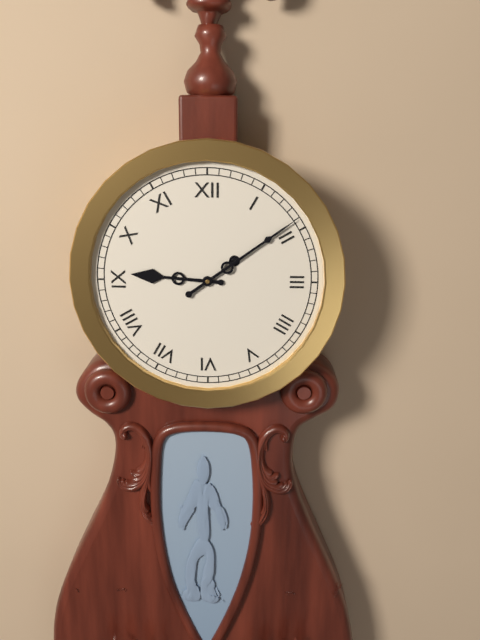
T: 9 h 09 min
